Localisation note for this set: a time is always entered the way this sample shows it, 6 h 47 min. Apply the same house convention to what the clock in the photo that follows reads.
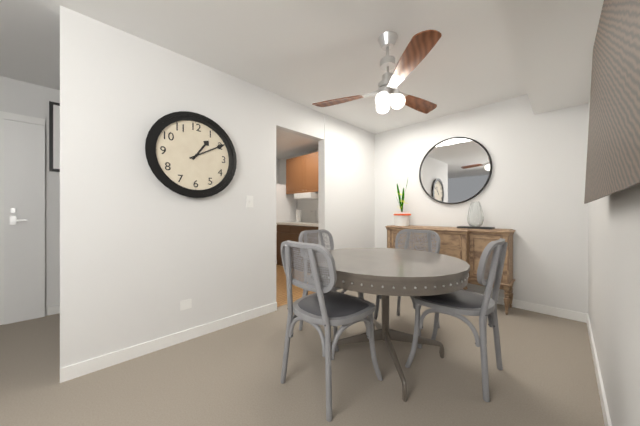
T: 1 h 10 min
